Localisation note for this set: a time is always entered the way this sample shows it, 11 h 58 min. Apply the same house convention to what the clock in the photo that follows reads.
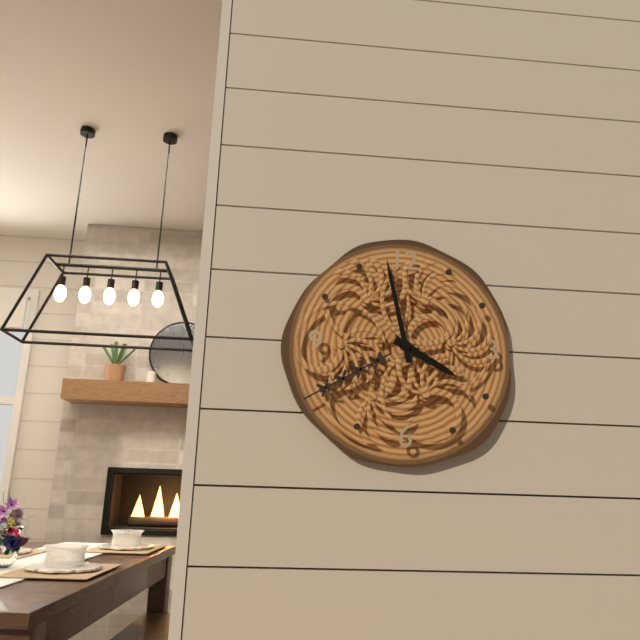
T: 3 h 58 min
